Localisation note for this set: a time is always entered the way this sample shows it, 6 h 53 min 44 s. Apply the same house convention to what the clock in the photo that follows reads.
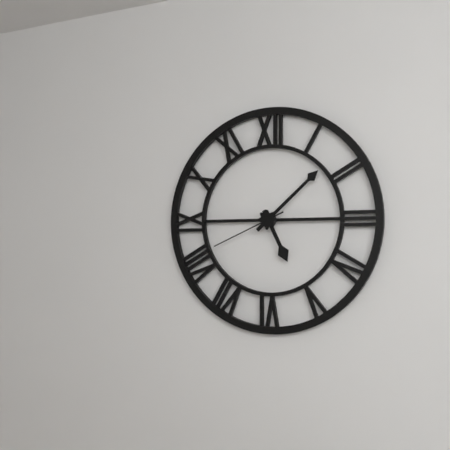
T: 5 h 08 min 41 s
